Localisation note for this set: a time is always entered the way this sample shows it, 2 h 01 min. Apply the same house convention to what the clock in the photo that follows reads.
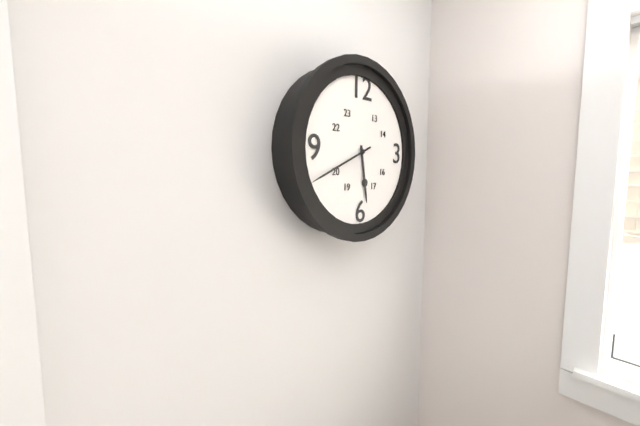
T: 5 h 41 min
